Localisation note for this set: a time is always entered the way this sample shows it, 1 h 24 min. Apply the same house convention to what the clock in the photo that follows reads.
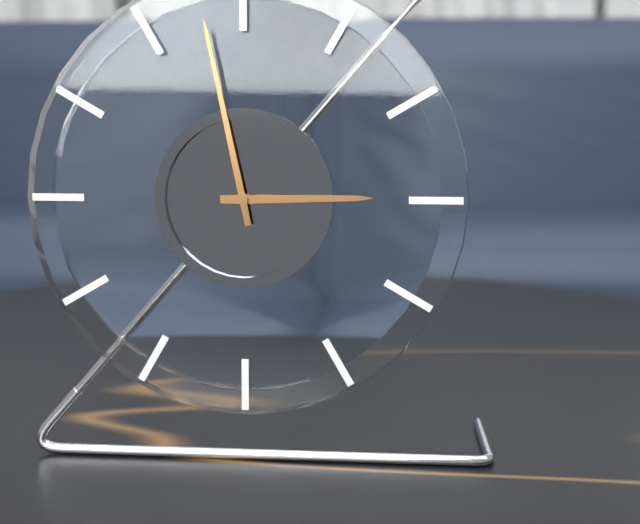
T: 2 h 58 min
